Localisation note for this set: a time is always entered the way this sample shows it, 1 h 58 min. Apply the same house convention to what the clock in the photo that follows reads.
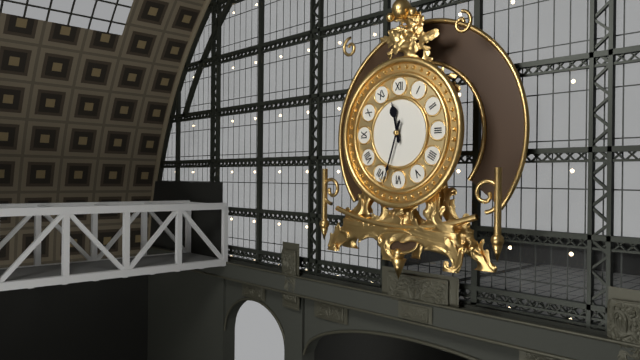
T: 11 h 33 min
